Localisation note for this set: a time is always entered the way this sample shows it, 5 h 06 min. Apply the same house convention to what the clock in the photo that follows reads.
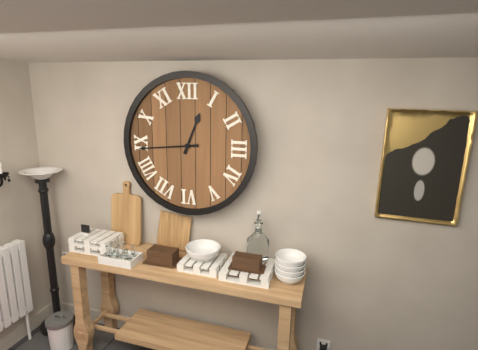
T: 12 h 44 min
